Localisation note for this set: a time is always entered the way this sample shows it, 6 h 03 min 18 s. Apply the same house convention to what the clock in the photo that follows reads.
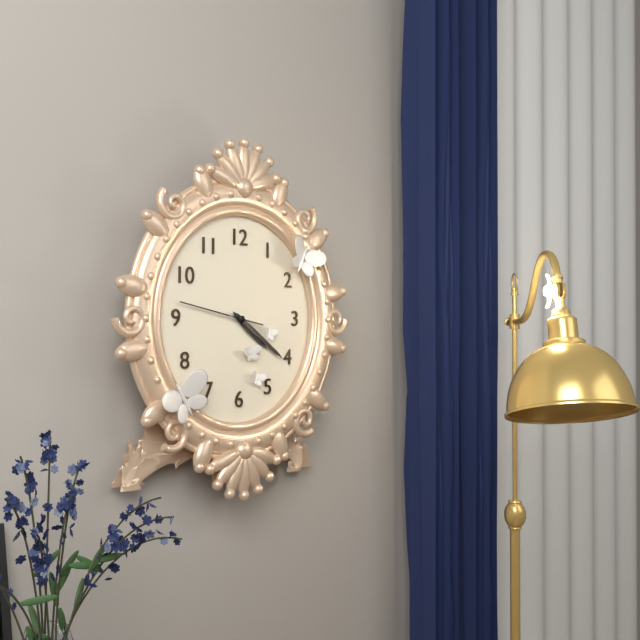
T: 4 h 21 min 47 s
